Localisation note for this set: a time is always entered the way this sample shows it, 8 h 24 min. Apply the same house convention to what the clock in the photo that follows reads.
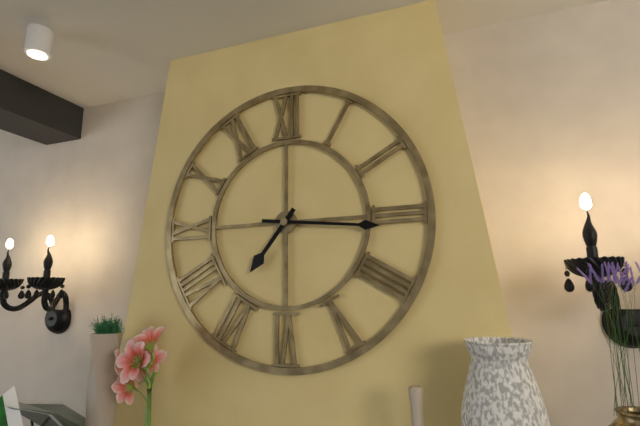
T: 7 h 16 min
